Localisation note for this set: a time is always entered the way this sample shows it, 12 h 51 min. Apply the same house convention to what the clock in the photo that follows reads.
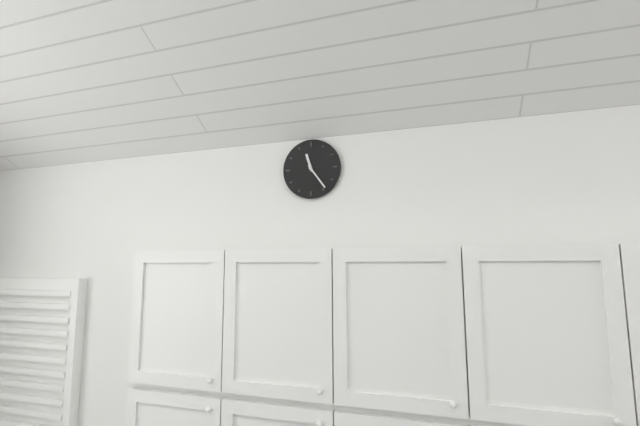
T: 11 h 24 min
